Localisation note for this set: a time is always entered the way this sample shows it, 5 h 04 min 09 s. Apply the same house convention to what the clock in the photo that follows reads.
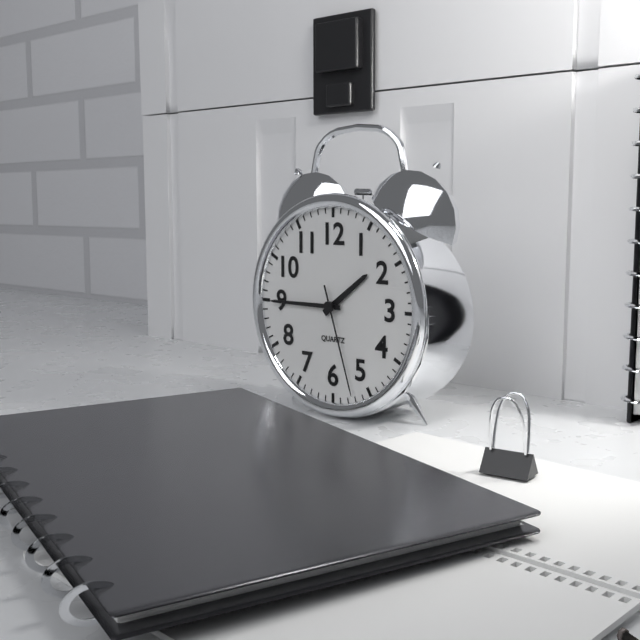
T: 1 h 45 min 27 s
